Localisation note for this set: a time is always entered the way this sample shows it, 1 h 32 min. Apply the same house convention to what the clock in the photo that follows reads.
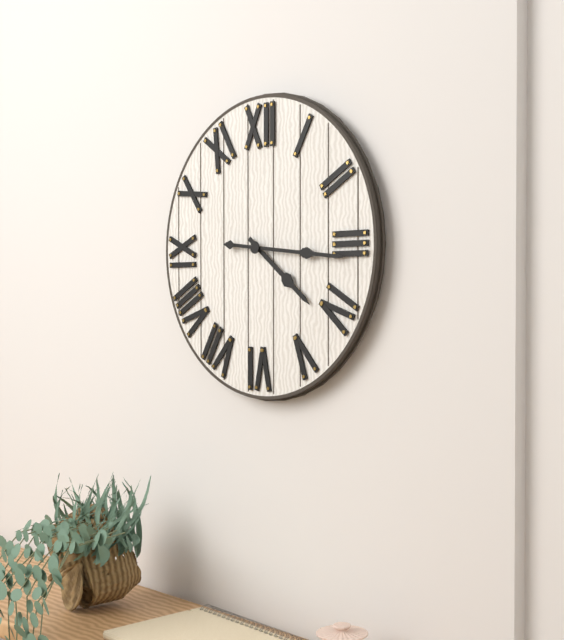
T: 4 h 16 min
